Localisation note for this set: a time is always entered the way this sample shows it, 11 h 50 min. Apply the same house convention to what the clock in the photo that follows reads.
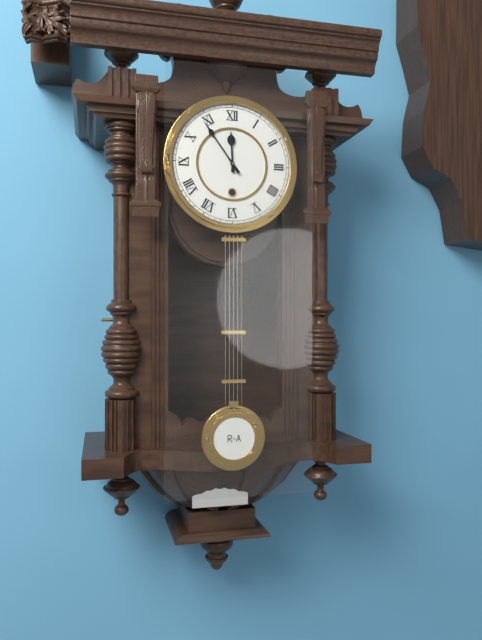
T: 11 h 54 min
